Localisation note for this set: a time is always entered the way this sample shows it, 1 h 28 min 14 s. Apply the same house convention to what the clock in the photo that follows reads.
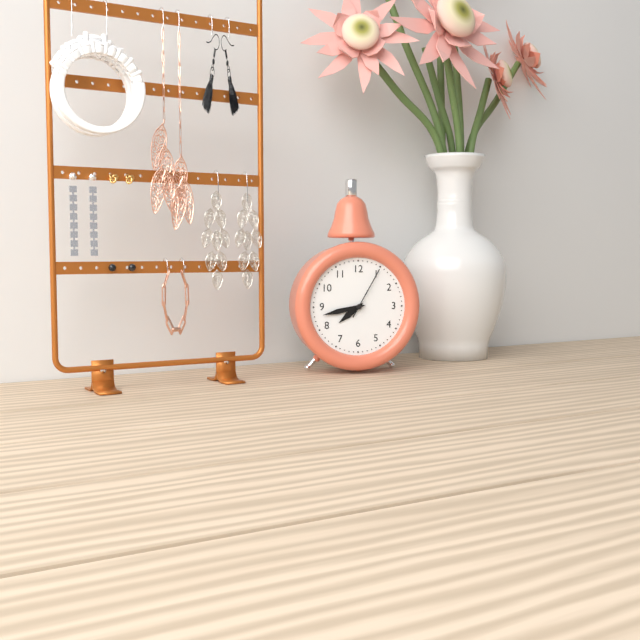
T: 7 h 43 min 05 s
